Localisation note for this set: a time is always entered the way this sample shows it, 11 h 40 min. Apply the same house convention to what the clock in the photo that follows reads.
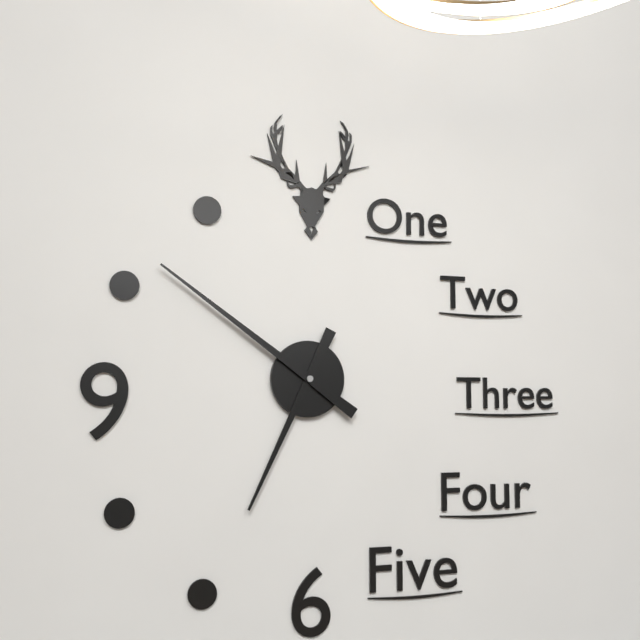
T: 6 h 51 min
